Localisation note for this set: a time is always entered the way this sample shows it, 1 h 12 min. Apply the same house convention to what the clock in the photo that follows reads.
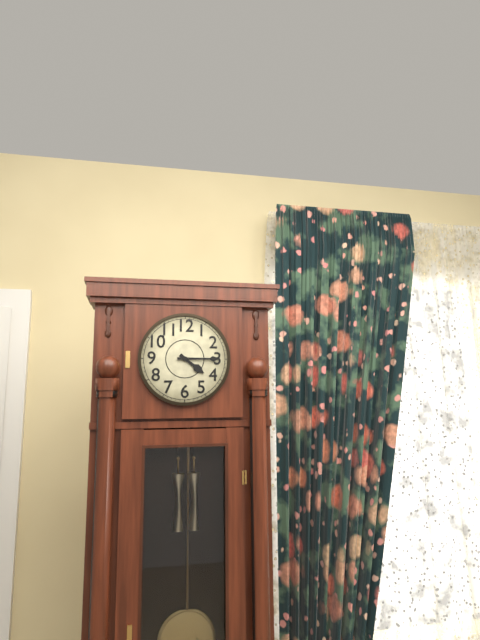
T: 4 h 15 min
